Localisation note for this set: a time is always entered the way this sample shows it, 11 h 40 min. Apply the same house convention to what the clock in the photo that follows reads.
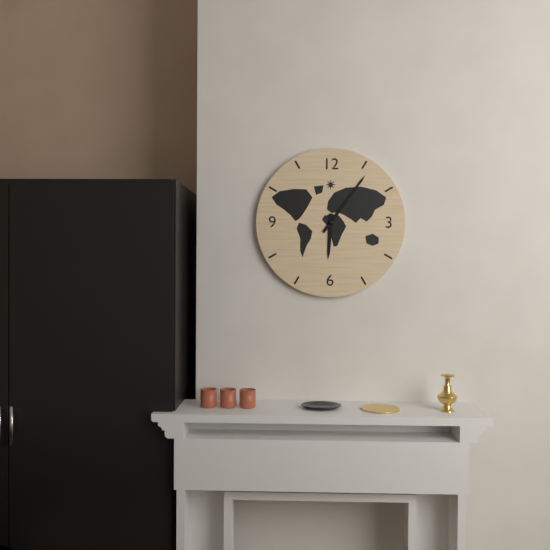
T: 6 h 06 min
